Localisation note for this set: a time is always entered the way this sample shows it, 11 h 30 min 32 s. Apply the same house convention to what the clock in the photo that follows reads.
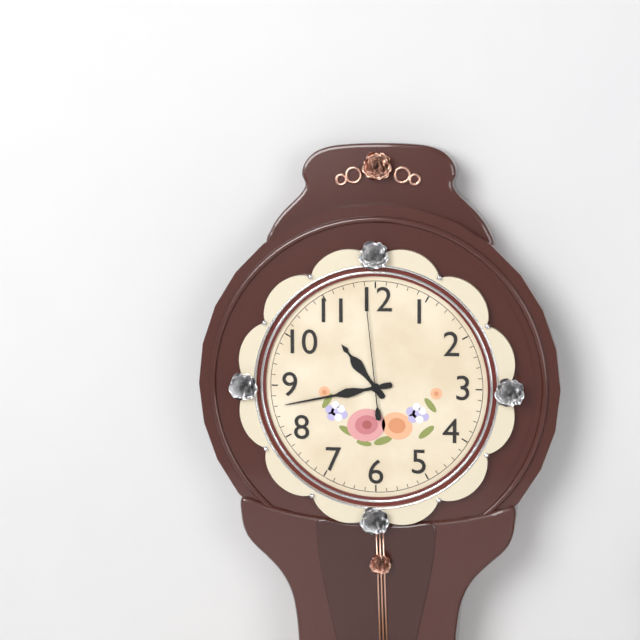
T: 10 h 43 min 59 s
